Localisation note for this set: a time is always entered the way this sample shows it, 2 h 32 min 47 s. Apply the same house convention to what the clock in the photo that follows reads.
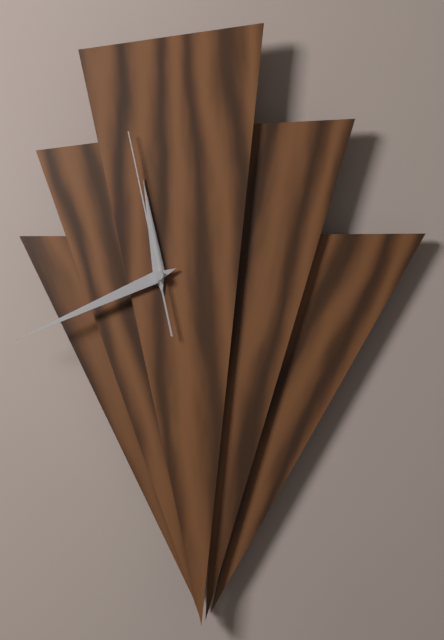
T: 11 h 41 min 58 s
